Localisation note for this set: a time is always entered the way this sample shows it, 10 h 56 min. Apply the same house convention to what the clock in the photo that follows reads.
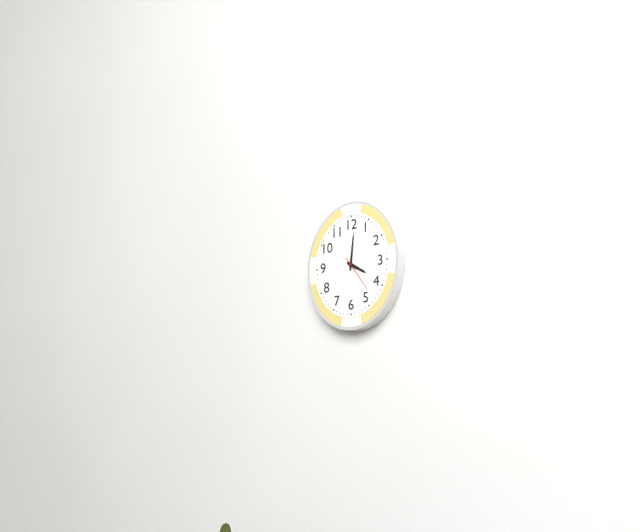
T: 4 h 01 min
